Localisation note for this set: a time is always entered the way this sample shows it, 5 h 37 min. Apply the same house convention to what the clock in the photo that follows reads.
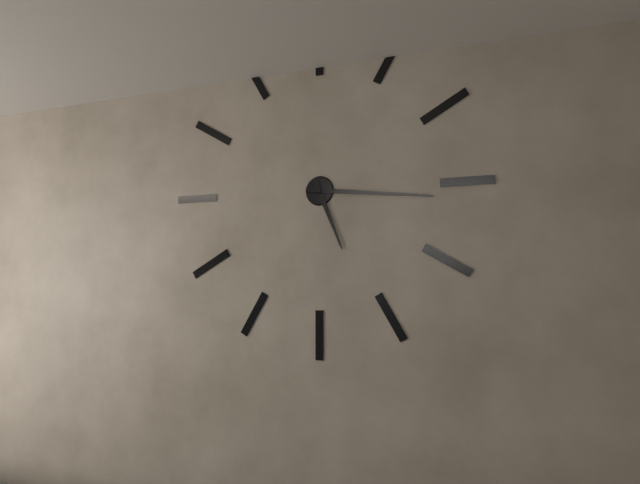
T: 5 h 16 min
